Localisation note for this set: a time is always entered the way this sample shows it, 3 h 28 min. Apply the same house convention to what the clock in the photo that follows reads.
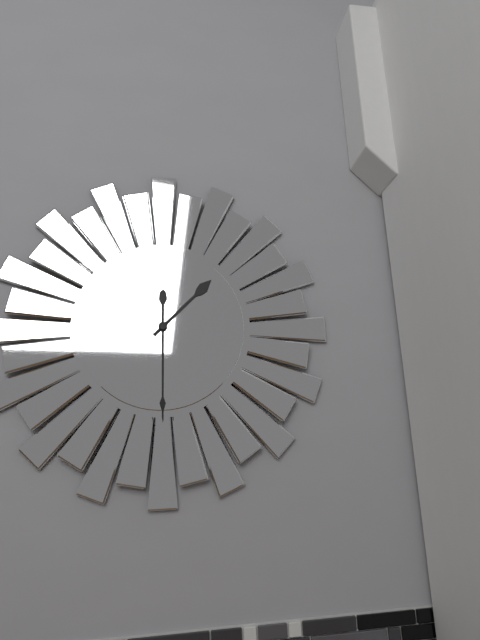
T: 1 h 30 min
